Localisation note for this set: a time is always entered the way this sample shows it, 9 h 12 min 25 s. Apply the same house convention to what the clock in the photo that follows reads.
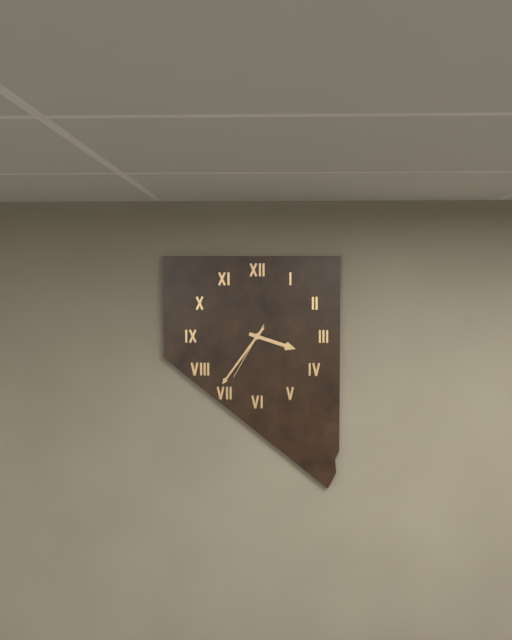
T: 3 h 36 min 35 s
